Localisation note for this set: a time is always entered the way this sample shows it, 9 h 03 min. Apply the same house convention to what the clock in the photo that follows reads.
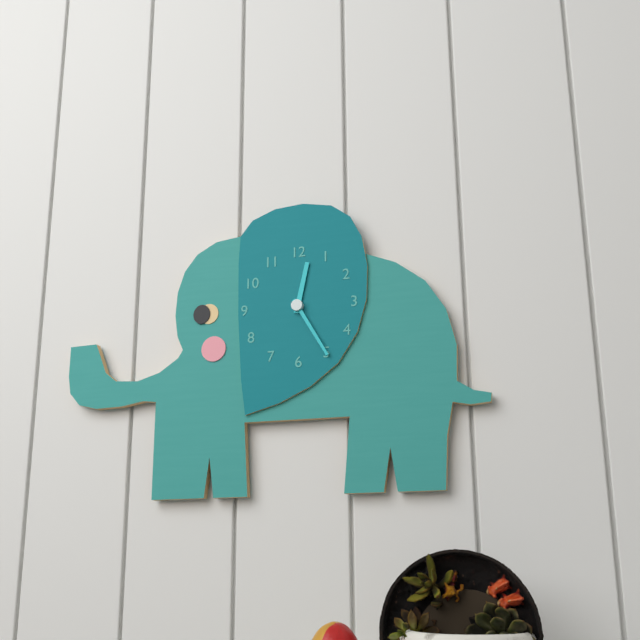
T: 12 h 25 min
